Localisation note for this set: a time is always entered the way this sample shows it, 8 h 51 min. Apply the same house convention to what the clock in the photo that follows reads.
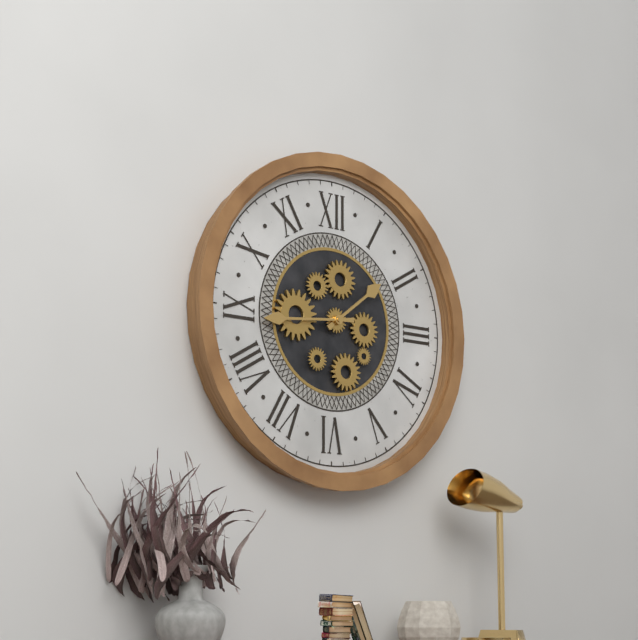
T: 1 h 44 min
